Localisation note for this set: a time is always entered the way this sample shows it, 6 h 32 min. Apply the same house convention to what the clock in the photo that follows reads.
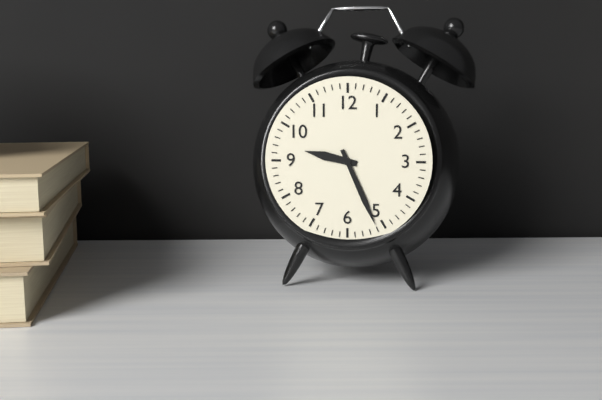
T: 9 h 26 min
